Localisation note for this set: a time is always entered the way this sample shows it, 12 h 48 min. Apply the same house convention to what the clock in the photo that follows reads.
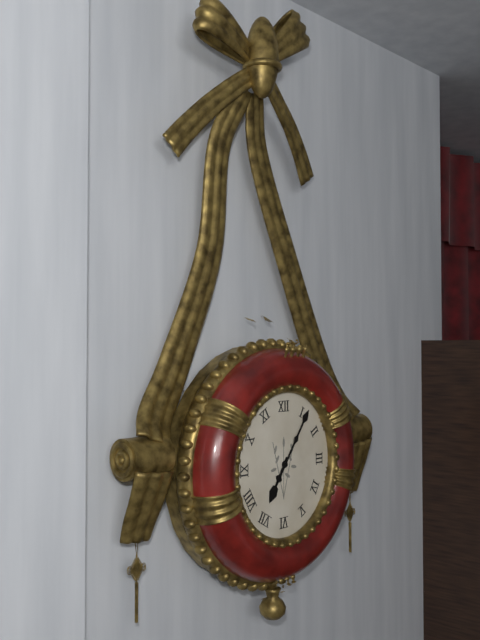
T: 7 h 06 min
